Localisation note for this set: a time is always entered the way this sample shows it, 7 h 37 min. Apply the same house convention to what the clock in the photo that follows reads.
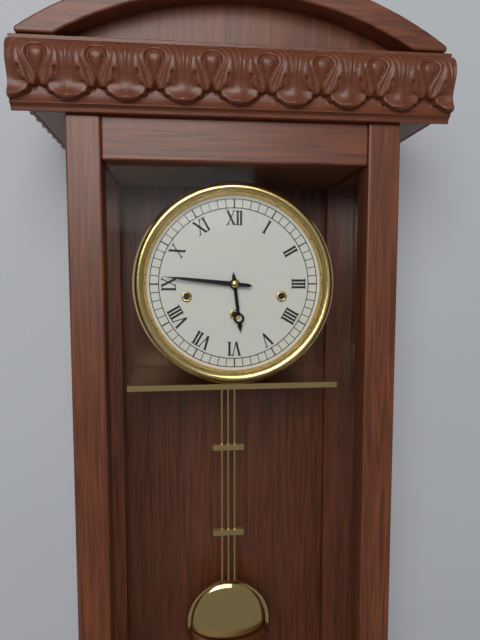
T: 5 h 46 min
